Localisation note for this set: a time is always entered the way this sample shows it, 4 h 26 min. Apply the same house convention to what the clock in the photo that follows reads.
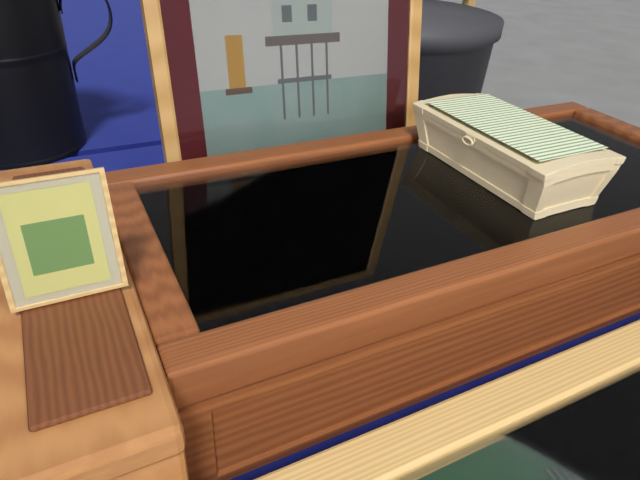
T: 7 h 31 min
